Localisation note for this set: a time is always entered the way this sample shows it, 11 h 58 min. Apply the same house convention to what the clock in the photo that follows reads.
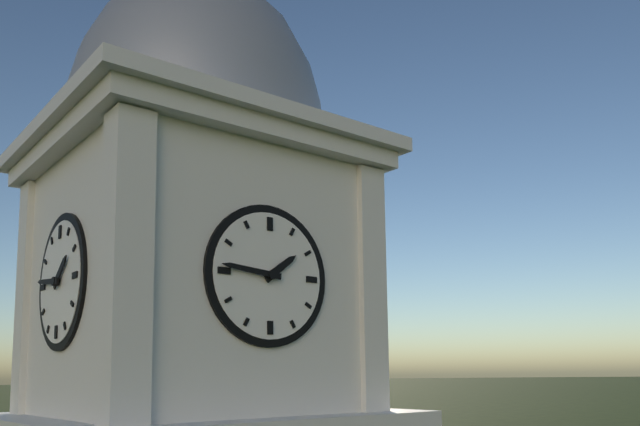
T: 1 h 46 min
